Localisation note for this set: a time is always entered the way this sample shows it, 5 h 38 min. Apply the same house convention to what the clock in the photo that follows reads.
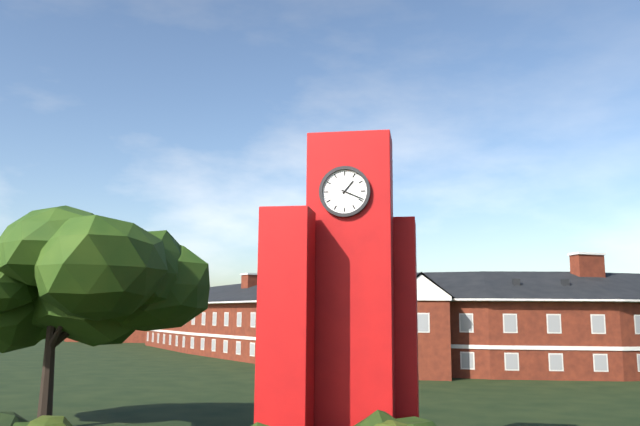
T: 1 h 19 min
